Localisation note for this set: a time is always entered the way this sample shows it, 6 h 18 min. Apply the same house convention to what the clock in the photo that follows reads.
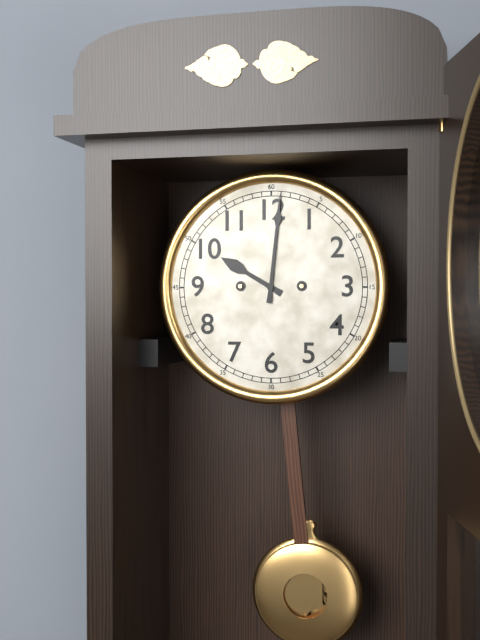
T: 10 h 01 min
